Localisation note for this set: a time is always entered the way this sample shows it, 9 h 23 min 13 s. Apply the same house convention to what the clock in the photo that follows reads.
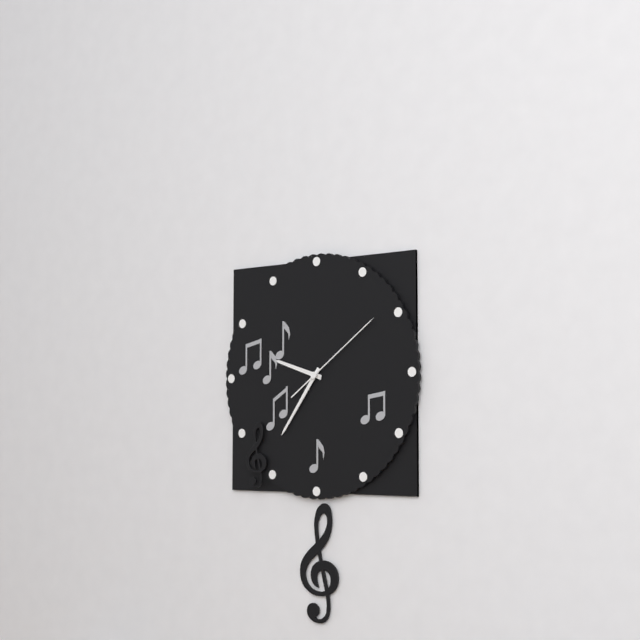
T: 9 h 36 min 09 s
